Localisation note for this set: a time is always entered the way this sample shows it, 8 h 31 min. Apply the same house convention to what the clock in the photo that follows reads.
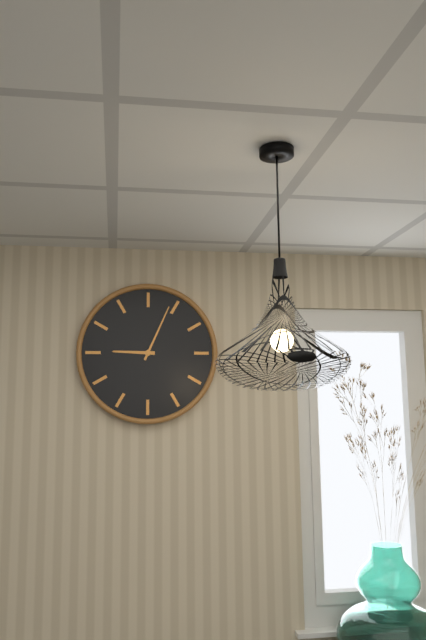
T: 9 h 04 min
